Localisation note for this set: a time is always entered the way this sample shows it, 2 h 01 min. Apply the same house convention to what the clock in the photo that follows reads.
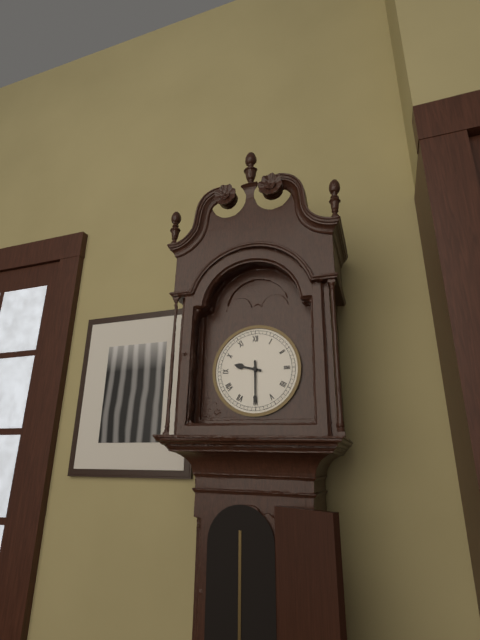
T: 9 h 30 min
